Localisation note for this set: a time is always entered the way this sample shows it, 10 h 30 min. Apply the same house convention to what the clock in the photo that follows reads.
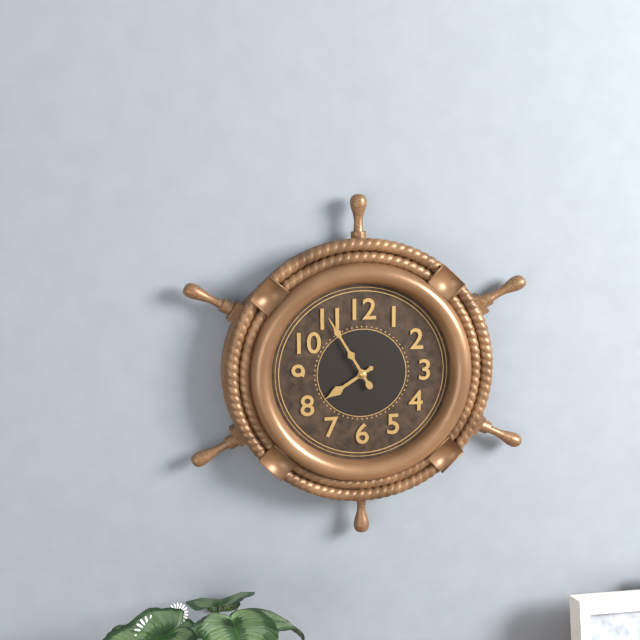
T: 7 h 55 min
